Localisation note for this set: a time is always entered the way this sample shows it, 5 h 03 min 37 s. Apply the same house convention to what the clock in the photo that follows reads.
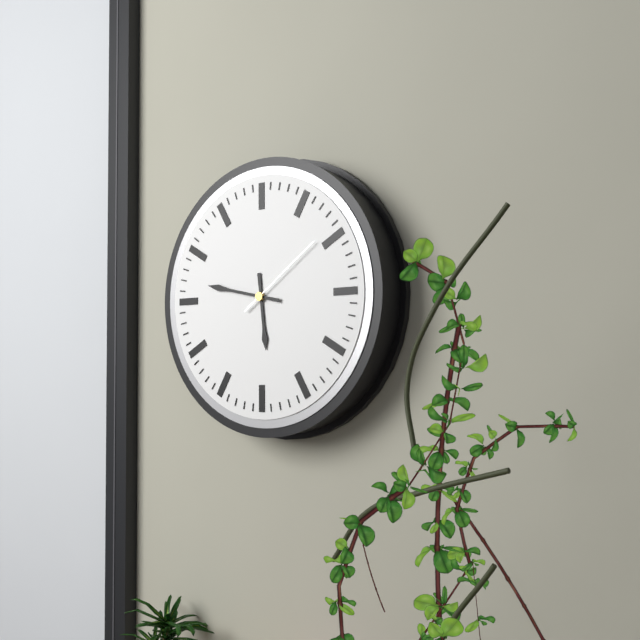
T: 5 h 47 min 09 s
